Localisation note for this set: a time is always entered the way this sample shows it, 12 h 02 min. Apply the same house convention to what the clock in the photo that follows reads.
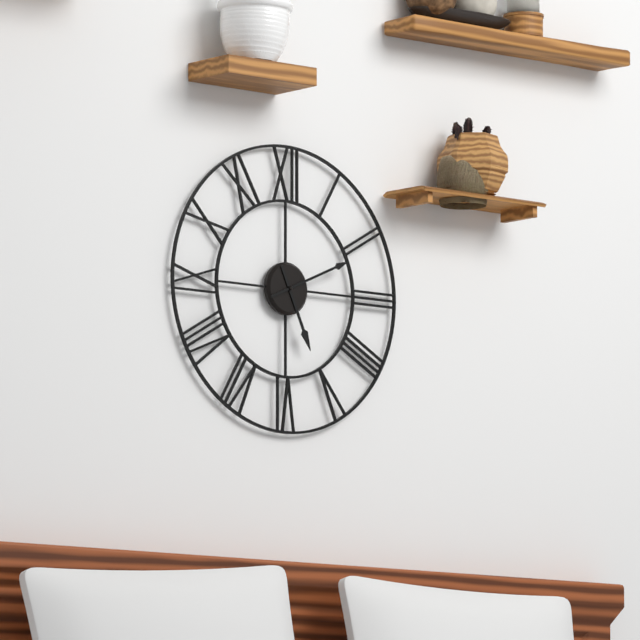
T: 5 h 11 min
